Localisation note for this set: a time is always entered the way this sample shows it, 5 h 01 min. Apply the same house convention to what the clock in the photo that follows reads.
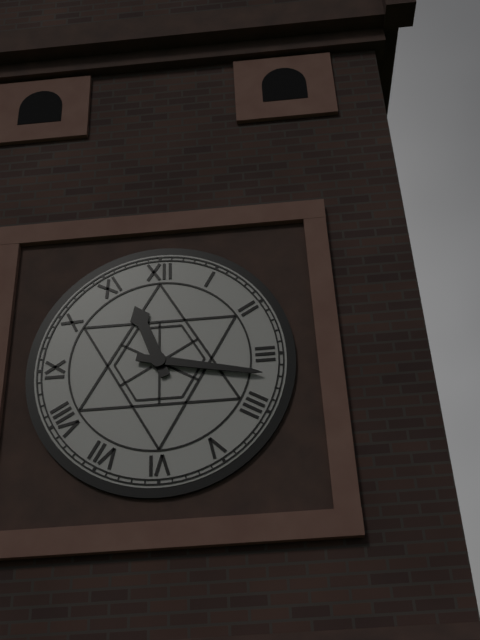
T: 11 h 17 min
